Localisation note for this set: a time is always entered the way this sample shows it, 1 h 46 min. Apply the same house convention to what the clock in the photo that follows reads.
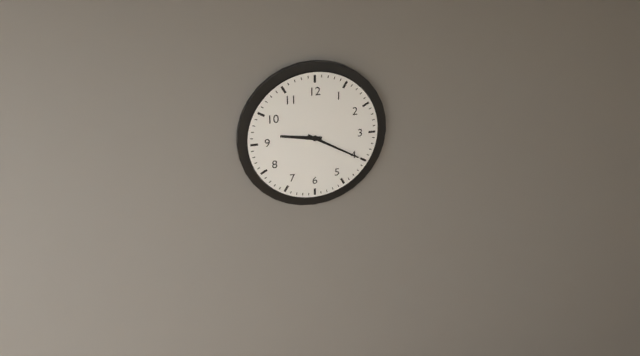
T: 9 h 20 min
